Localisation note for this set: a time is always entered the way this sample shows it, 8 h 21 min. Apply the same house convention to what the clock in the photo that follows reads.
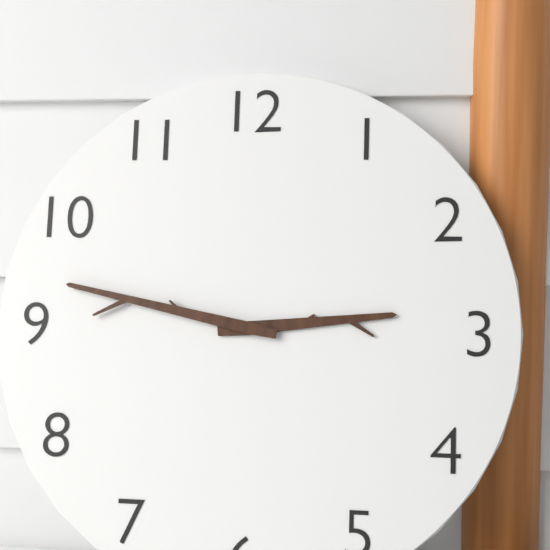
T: 2 h 47 min
